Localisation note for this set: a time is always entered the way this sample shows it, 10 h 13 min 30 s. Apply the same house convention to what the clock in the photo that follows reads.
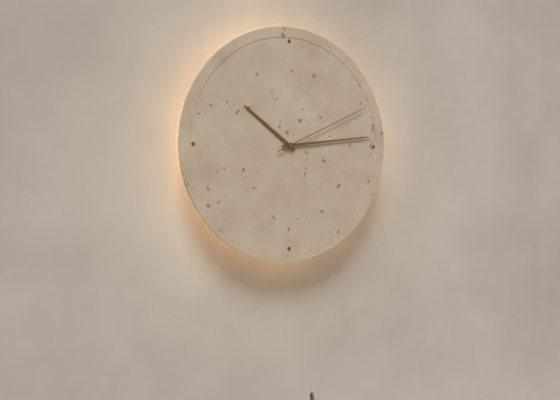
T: 10 h 14 min 11 s
